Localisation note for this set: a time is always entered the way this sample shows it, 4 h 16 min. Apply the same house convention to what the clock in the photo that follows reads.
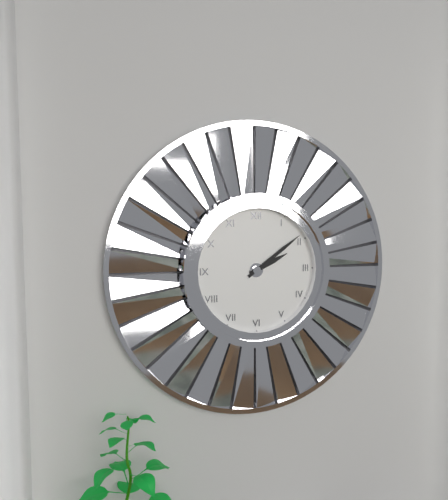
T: 2 h 09 min
